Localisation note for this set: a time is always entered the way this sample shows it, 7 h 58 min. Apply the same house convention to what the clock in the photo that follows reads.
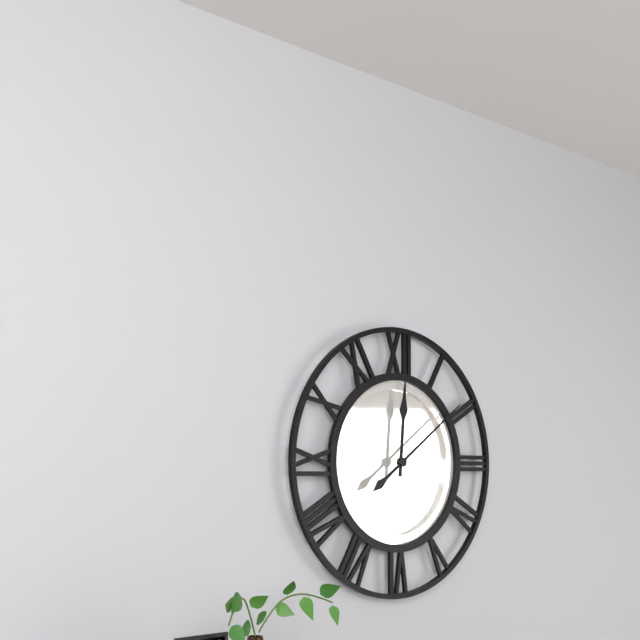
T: 12 h 09 min
